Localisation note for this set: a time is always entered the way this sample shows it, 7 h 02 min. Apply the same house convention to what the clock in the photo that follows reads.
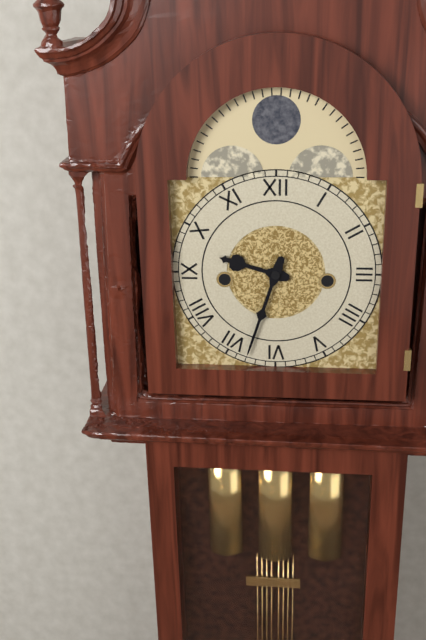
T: 9 h 33 min
